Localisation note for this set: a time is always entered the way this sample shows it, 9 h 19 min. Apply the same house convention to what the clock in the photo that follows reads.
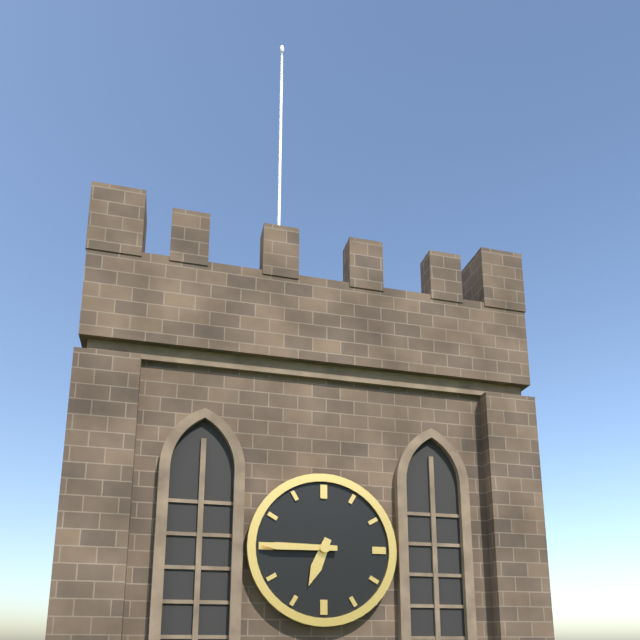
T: 6 h 45 min
